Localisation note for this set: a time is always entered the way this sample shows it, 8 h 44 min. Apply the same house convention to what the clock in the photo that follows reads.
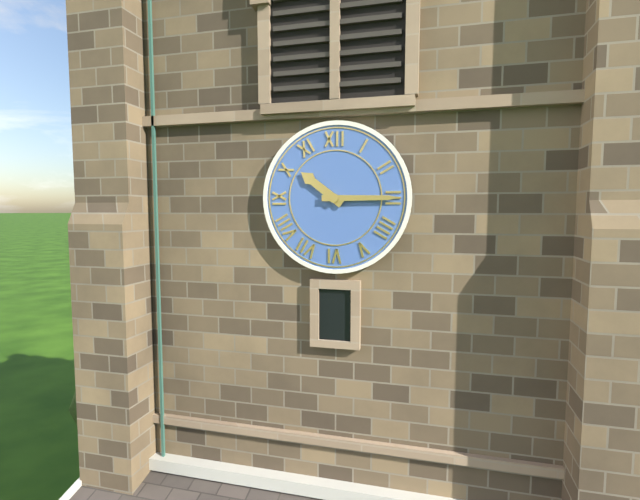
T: 10 h 15 min
